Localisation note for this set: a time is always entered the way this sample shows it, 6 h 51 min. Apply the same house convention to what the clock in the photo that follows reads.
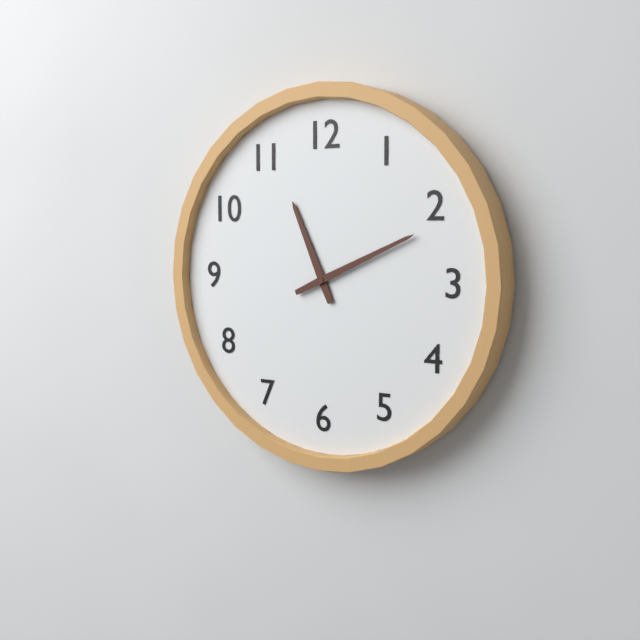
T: 11 h 11 min
